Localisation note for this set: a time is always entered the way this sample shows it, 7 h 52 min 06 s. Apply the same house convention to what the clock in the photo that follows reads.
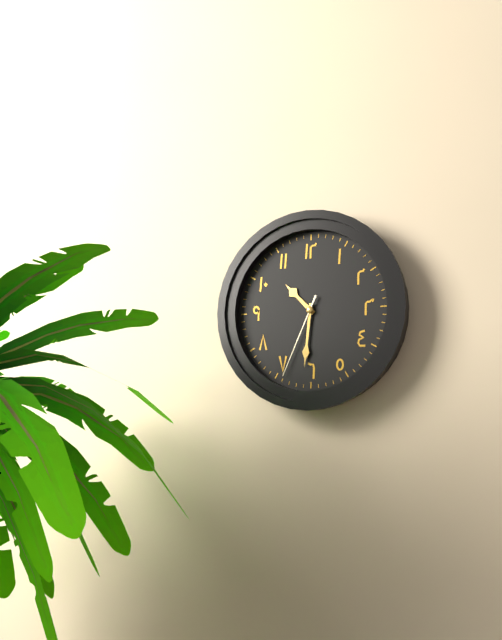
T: 10 h 31 min 34 s
